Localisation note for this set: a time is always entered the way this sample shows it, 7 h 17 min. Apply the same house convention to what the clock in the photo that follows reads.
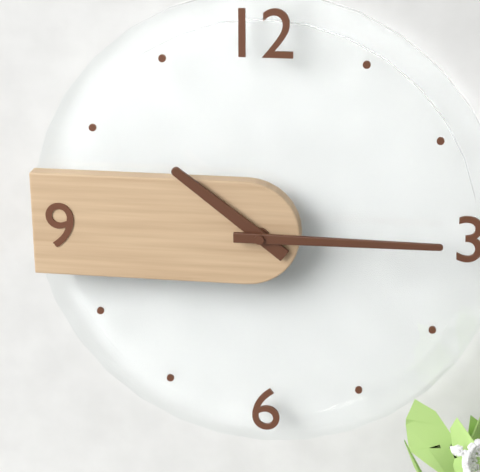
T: 10 h 15 min
